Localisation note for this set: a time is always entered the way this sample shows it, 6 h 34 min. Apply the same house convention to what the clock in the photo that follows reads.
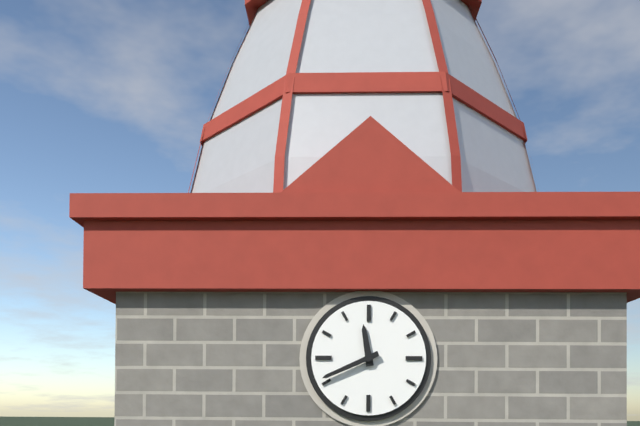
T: 11 h 41 min
